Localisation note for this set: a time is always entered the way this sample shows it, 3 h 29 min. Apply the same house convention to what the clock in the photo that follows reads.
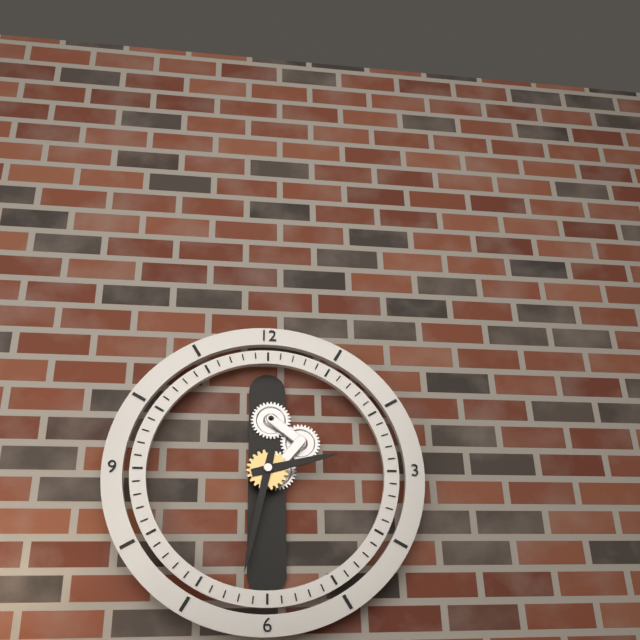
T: 2 h 32 min
